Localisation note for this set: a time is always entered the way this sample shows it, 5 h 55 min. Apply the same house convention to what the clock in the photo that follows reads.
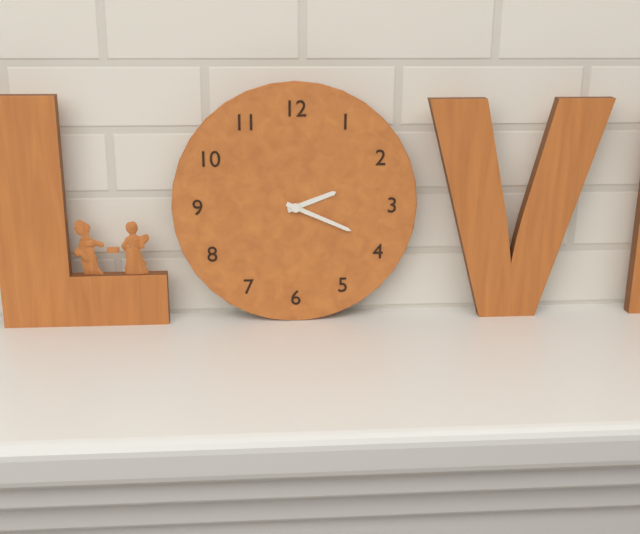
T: 2 h 19 min
